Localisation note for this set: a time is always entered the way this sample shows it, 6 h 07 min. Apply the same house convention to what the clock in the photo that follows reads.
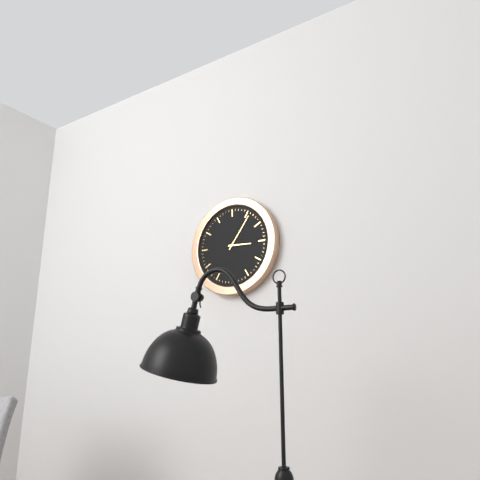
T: 3 h 06 min
